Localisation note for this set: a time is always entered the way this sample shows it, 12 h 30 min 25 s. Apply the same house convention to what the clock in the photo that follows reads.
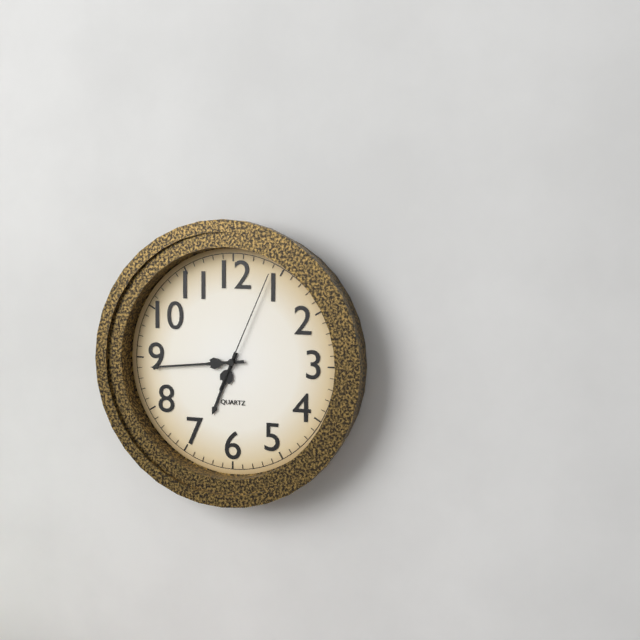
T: 6 h 44 min 04 s
